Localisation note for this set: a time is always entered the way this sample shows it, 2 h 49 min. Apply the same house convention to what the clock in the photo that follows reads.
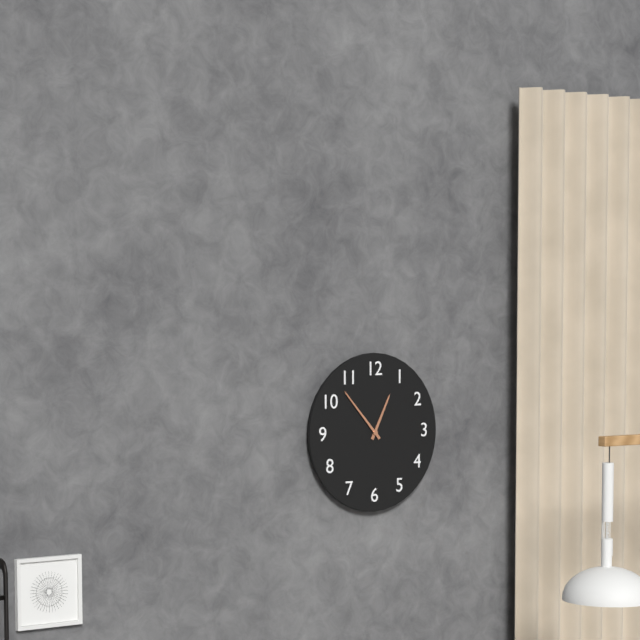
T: 12 h 53 min
